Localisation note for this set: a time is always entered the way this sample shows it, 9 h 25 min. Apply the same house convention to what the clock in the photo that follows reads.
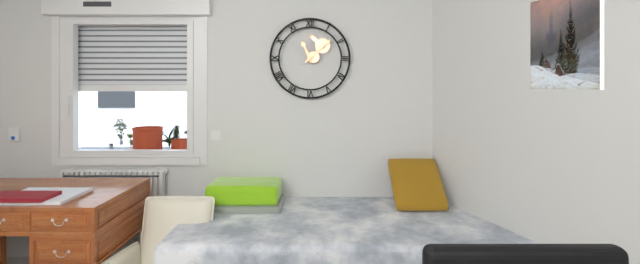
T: 11 h 08 min
